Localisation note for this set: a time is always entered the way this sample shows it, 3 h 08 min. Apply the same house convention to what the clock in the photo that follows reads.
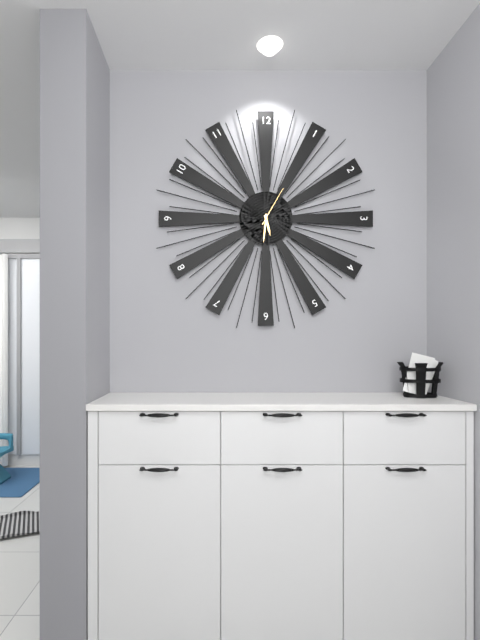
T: 5 h 31 min
